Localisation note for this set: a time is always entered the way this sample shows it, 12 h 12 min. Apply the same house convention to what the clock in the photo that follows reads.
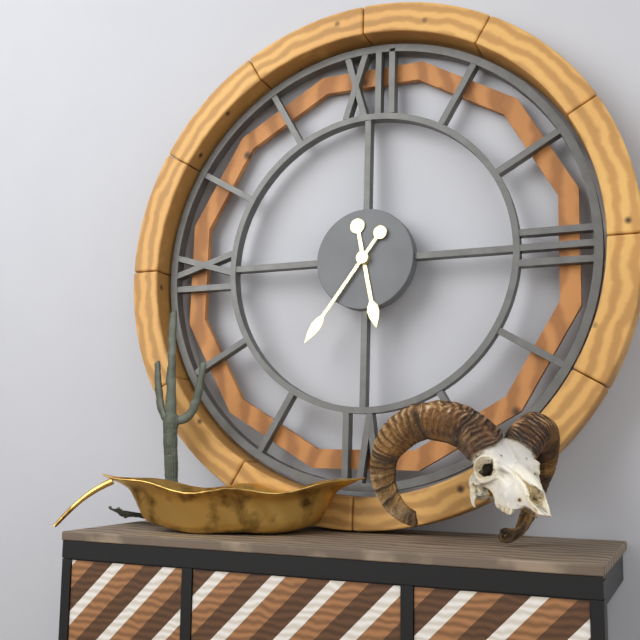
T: 5 h 36 min
